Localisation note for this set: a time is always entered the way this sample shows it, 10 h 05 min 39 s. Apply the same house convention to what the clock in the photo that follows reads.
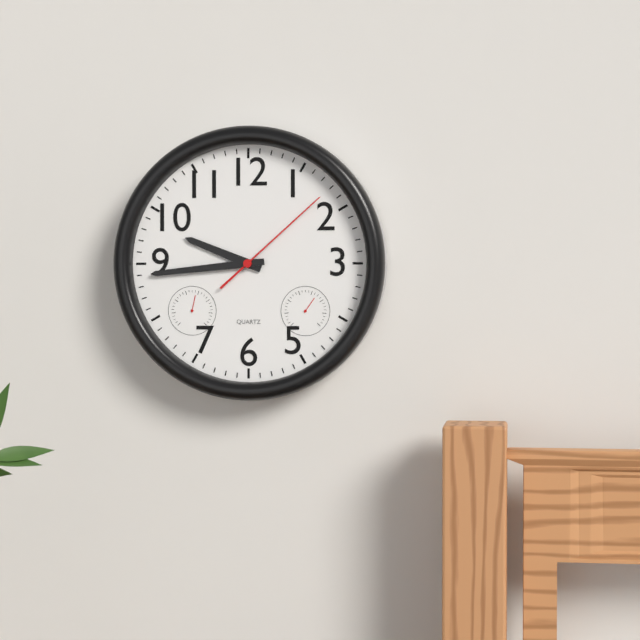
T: 9 h 44 min 08 s
